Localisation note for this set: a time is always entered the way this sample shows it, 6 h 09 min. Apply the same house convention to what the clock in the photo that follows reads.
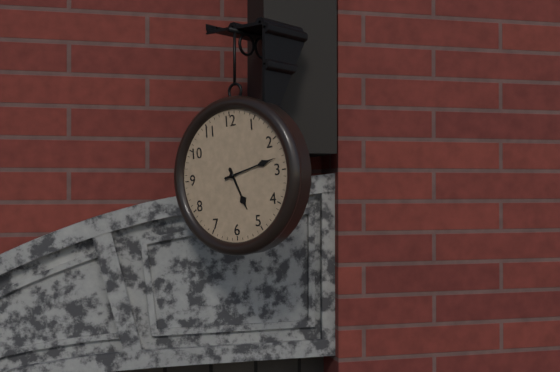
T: 5 h 13 min
